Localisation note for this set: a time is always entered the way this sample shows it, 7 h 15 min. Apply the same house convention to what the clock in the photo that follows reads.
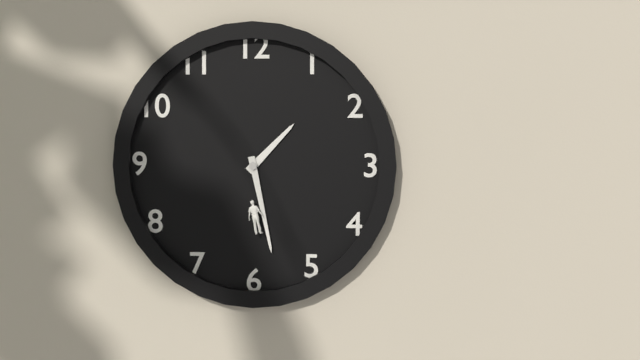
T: 1 h 28 min
